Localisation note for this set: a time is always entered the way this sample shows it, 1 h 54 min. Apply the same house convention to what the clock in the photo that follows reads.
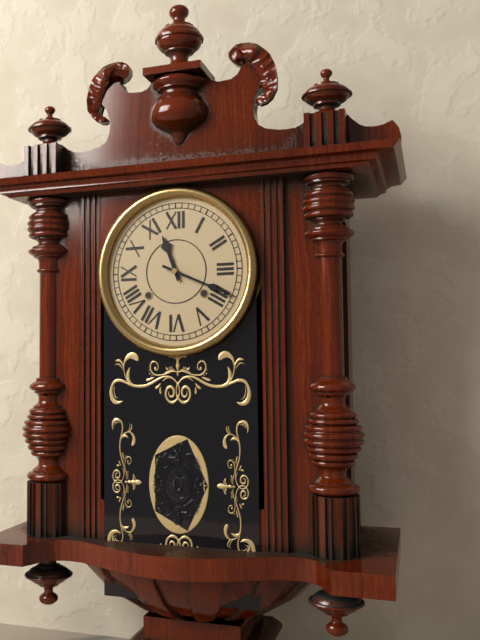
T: 11 h 19 min
